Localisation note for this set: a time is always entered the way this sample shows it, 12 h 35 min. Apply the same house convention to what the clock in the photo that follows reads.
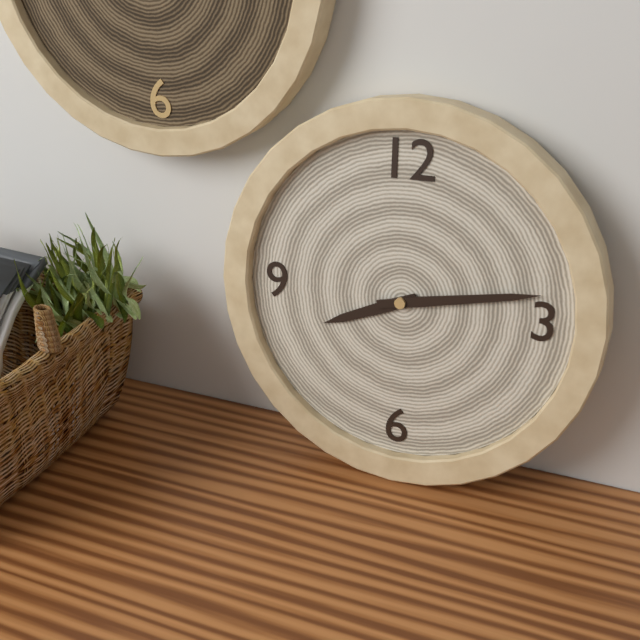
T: 8 h 13 min
